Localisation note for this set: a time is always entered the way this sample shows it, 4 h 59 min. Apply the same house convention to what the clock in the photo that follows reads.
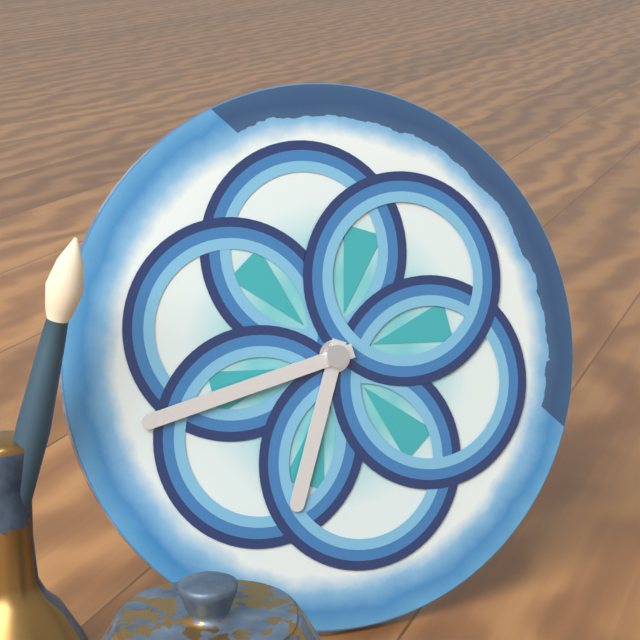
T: 6 h 43 min
